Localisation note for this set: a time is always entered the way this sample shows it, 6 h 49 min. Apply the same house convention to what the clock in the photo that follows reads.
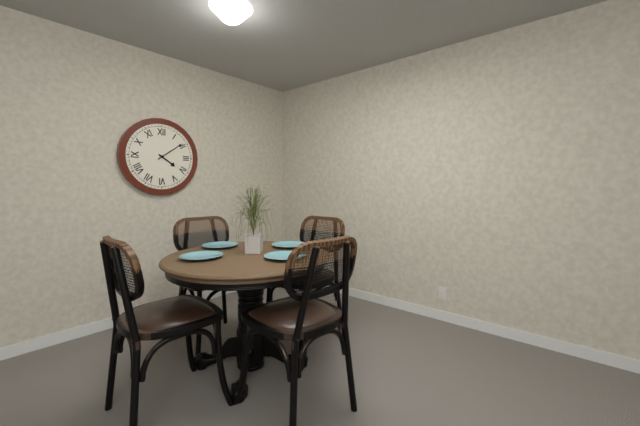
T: 4 h 09 min
